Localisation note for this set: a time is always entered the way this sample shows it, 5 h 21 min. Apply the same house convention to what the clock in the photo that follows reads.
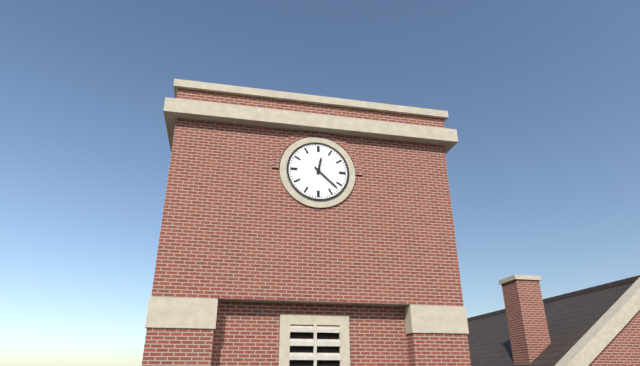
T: 12 h 22 min
